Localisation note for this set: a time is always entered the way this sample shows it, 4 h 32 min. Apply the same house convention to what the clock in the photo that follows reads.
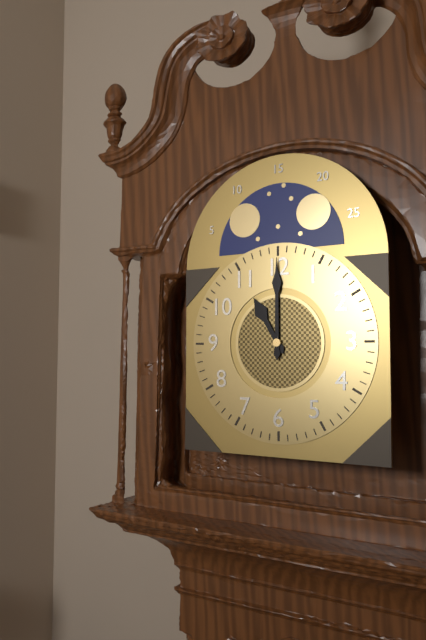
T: 11 h 00 min
